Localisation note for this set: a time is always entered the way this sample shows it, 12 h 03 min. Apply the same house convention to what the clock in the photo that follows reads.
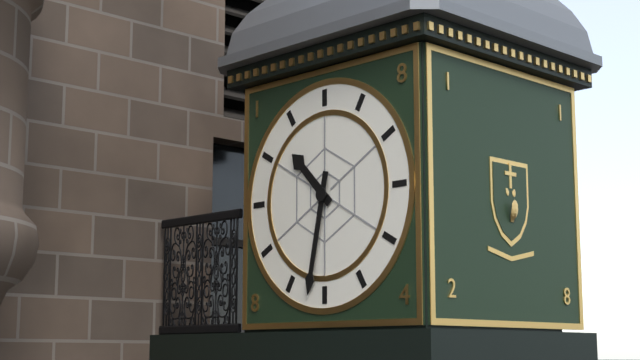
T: 10 h 32 min
